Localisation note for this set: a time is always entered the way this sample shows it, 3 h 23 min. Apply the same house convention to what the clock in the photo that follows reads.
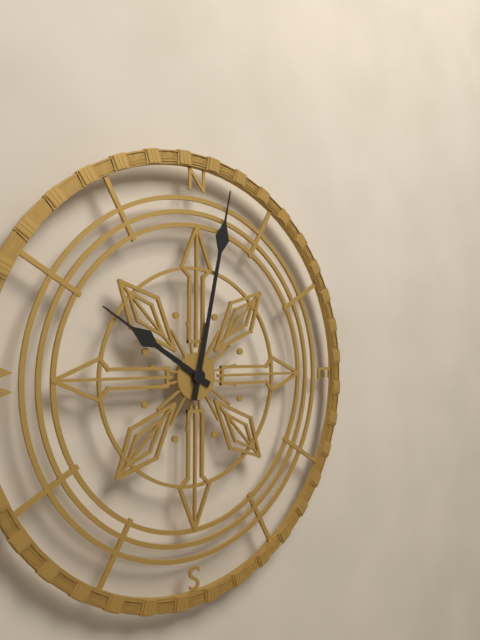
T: 10 h 02 min
